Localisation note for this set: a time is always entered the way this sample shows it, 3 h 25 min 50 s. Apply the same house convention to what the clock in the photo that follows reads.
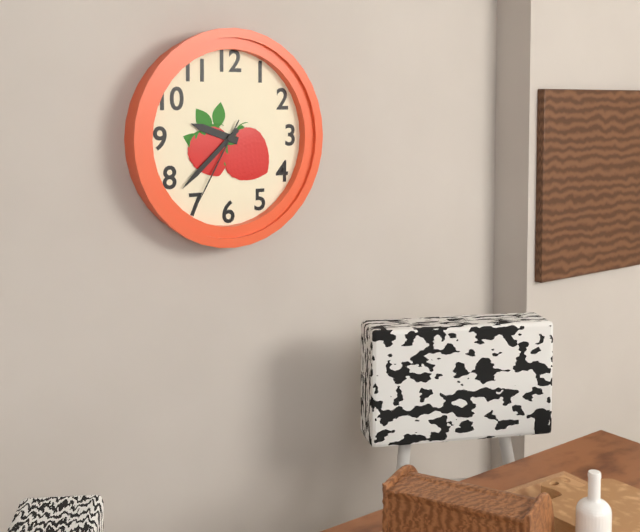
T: 9 h 38 min 35 s
